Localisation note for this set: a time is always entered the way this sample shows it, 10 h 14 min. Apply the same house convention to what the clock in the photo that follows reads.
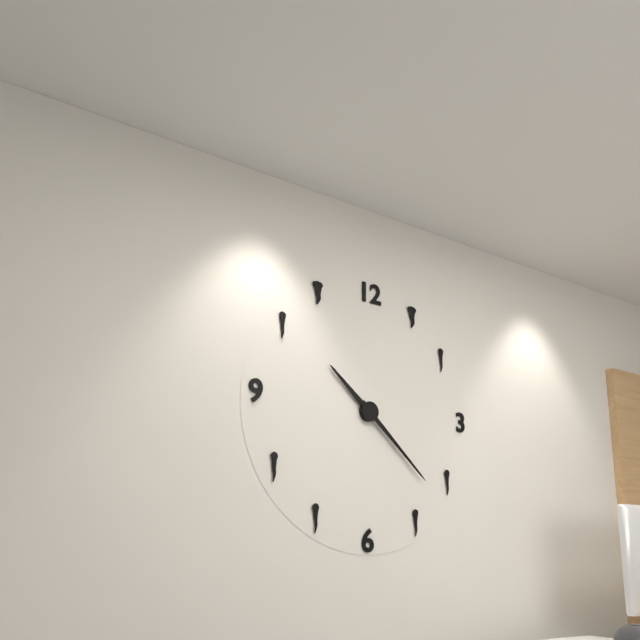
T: 10 h 22 min
